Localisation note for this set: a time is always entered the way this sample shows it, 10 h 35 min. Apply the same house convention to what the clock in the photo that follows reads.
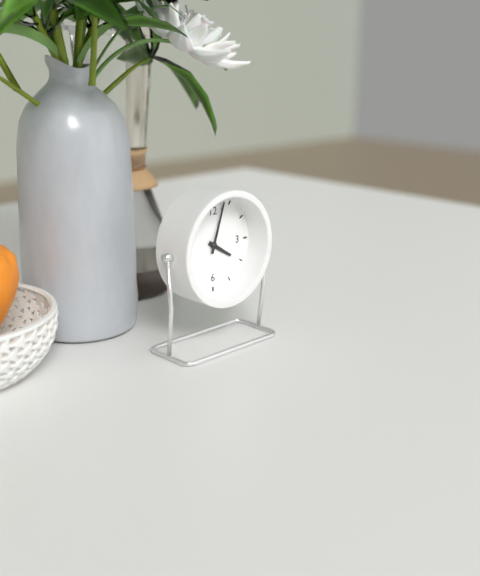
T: 4 h 03 min
